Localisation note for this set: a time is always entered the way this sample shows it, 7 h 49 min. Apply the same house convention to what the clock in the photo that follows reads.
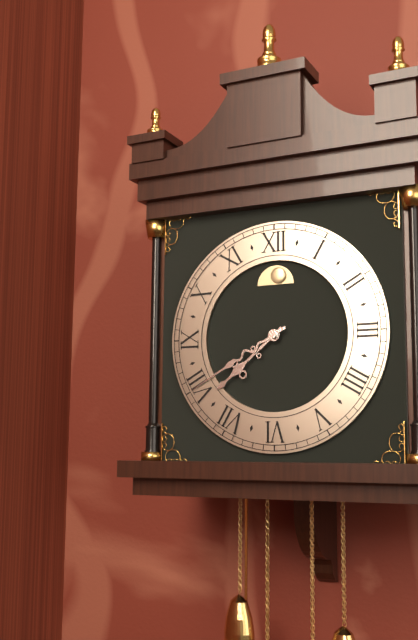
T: 7 h 40 min
